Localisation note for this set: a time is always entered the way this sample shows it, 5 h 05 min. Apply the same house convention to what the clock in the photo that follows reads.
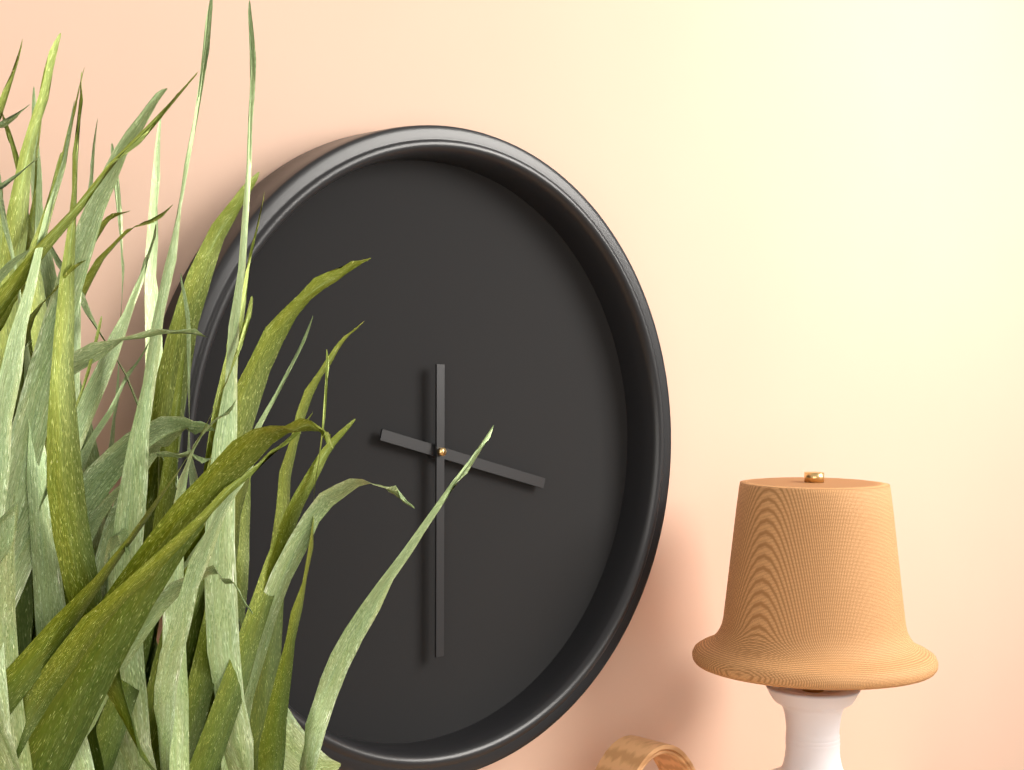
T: 3 h 30 min
